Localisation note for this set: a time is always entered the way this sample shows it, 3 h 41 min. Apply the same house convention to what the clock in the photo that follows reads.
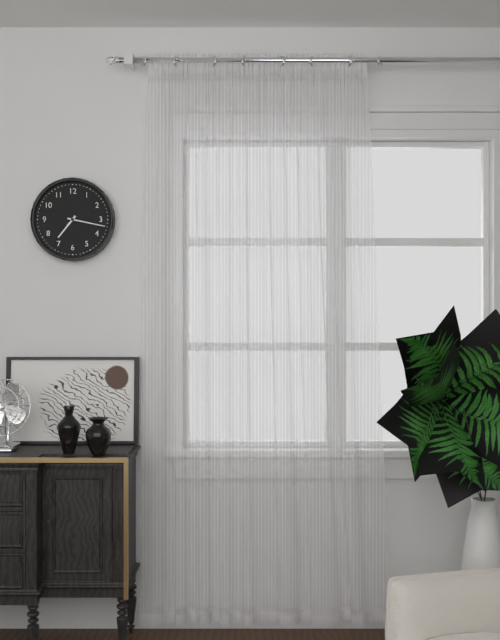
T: 7 h 17 min
